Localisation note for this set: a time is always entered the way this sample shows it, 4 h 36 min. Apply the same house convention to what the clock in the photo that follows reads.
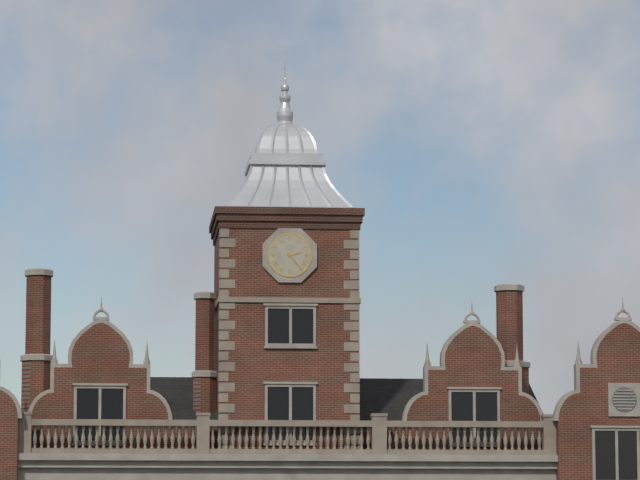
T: 2 h 23 min
